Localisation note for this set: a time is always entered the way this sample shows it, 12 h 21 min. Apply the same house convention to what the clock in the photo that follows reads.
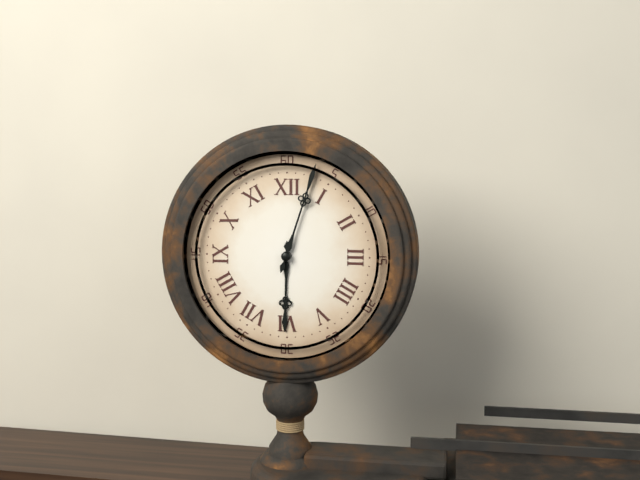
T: 6 h 03 min
